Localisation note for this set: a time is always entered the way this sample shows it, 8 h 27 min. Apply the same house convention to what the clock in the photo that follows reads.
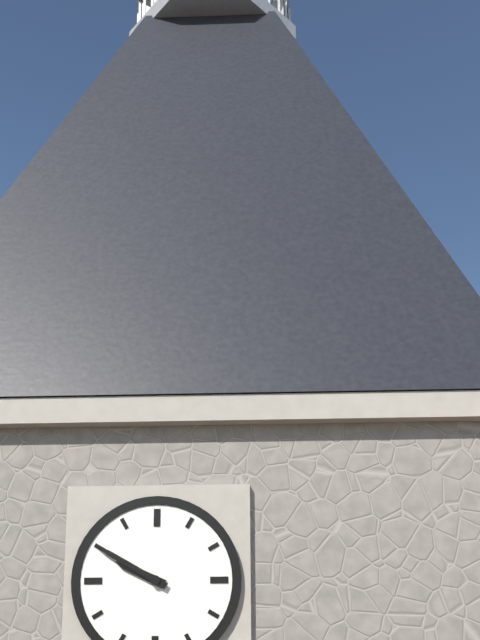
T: 9 h 50 min
